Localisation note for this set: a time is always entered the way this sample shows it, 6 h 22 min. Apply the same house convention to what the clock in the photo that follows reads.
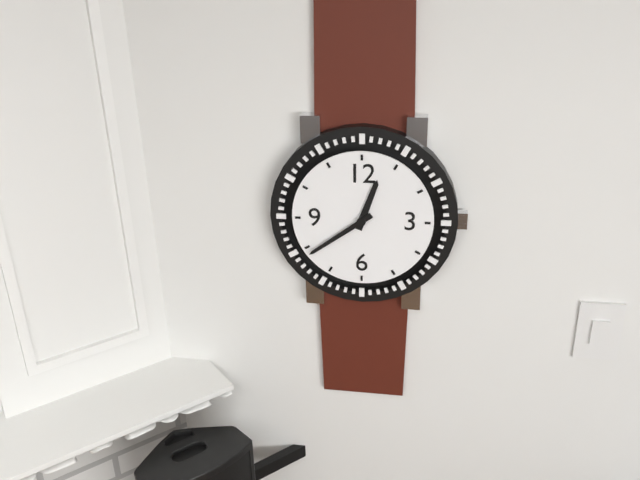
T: 12 h 39 min
